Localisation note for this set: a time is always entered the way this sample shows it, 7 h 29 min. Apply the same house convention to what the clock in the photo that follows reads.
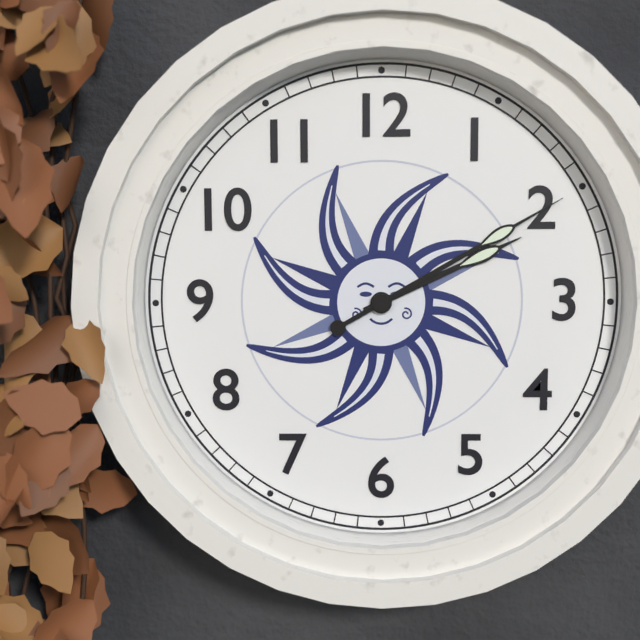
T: 2 h 10 min
